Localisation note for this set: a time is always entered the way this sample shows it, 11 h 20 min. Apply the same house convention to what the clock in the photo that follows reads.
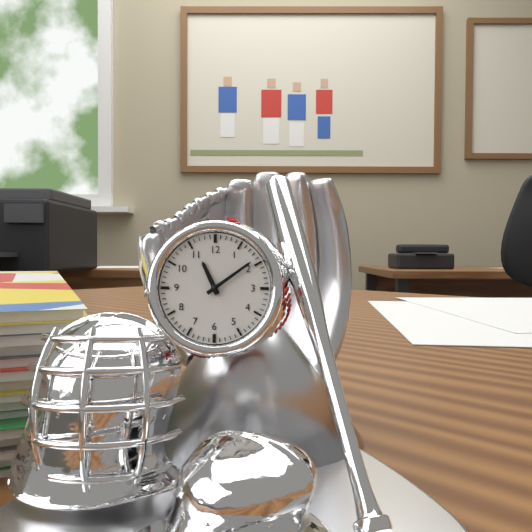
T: 11 h 09 min
